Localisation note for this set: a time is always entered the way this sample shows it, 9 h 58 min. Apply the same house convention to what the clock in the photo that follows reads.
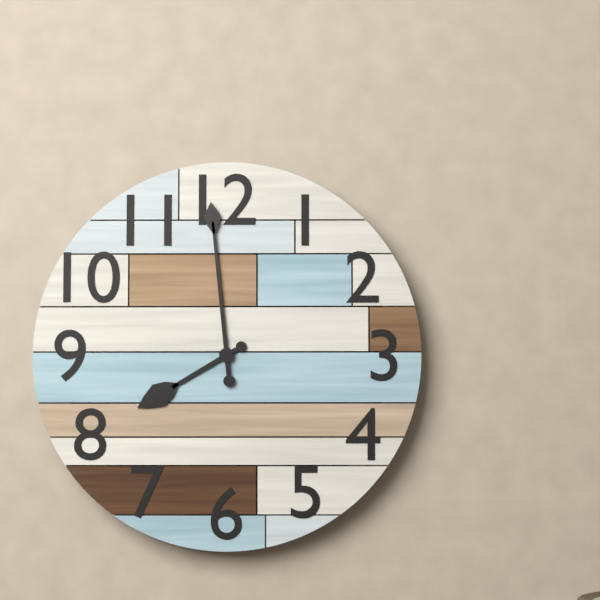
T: 7 h 59 min
